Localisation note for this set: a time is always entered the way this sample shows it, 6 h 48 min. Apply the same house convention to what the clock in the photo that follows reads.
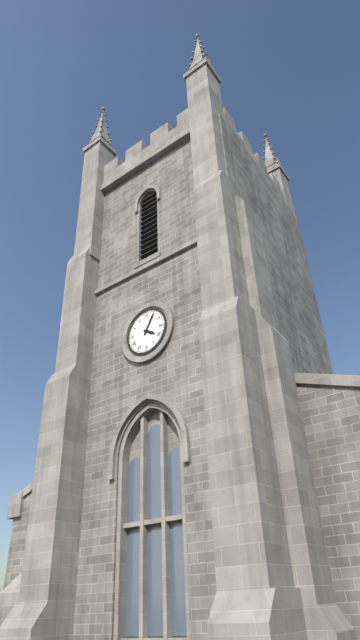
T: 4 h 05 min
